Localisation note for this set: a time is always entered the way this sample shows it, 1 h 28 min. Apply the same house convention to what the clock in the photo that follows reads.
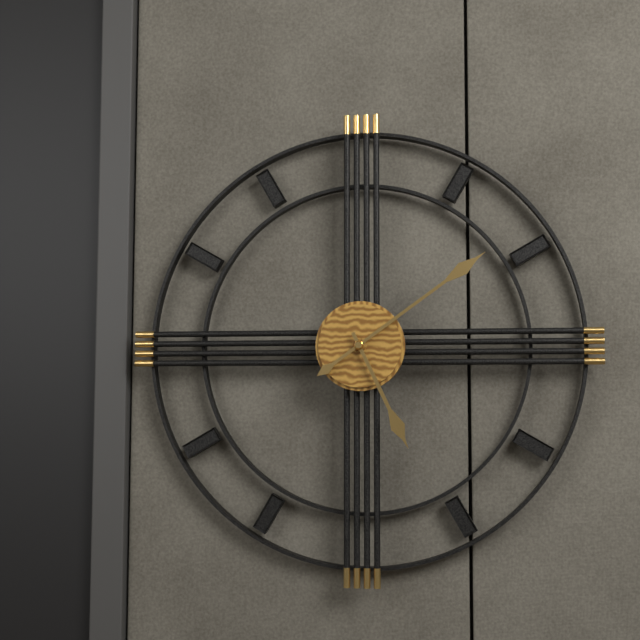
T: 5 h 09 min
